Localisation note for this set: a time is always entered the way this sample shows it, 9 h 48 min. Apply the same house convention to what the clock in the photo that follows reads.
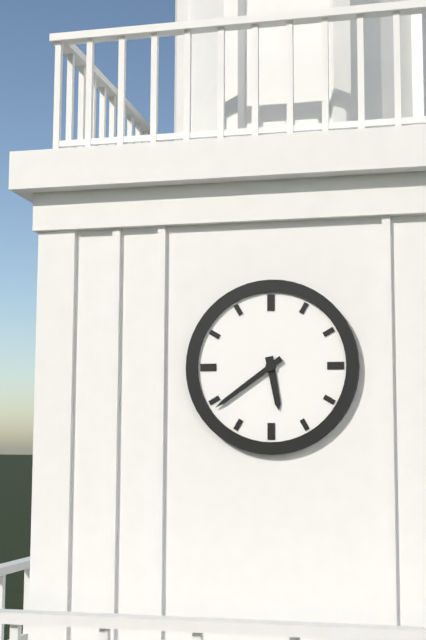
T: 5 h 39 min
